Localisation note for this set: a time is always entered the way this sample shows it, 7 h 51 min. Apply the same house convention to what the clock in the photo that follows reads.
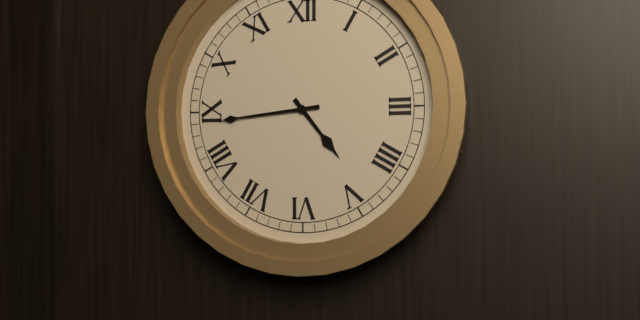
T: 4 h 44 min
